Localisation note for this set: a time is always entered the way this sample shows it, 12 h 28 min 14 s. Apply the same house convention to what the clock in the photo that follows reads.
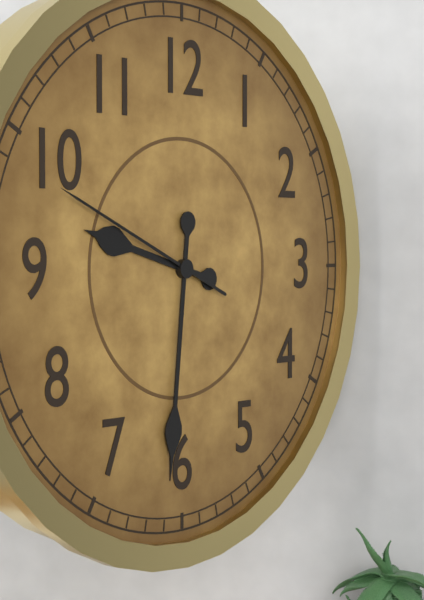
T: 9 h 31 min 49 s
